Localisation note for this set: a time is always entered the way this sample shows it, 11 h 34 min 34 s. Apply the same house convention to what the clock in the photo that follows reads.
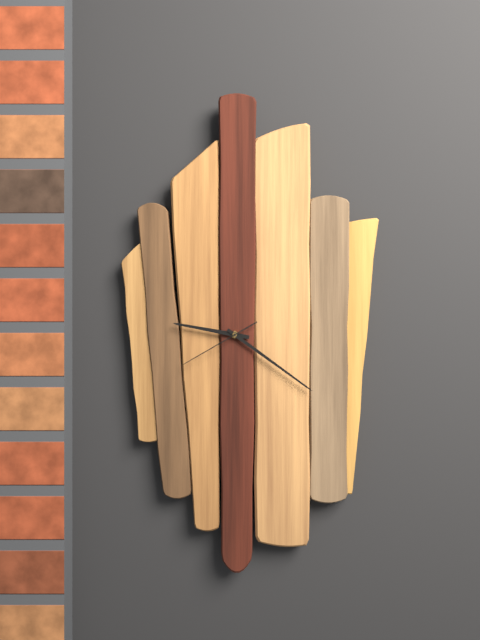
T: 9 h 21 min 40 s
